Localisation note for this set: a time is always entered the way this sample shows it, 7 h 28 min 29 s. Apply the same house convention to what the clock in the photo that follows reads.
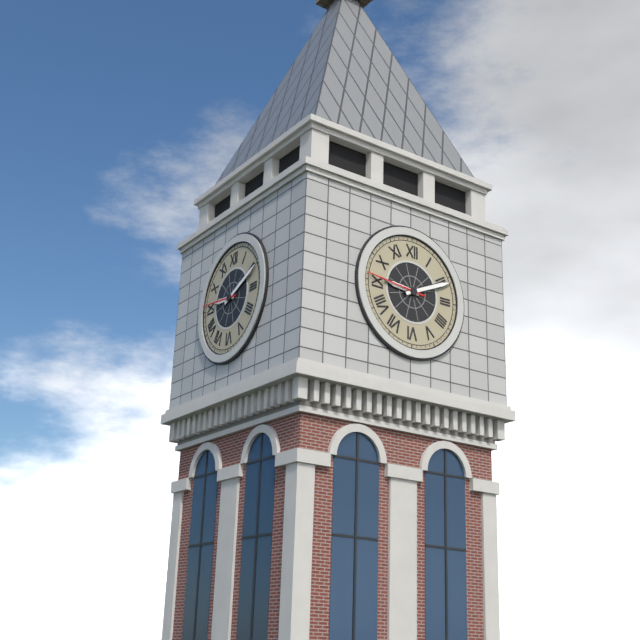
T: 9 h 11 min 46 s
